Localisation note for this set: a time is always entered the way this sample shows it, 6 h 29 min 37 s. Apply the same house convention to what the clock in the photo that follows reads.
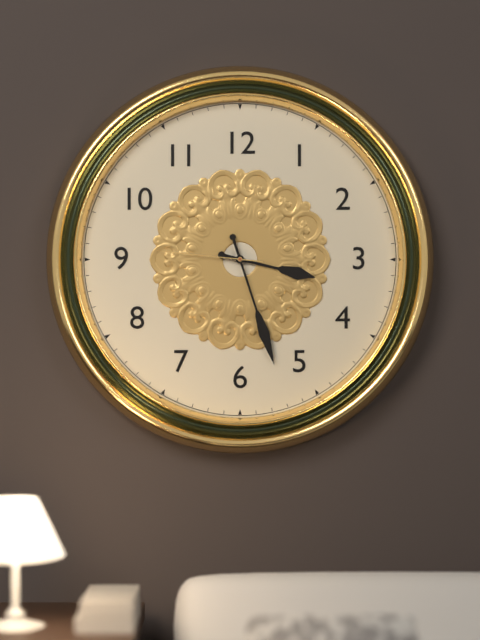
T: 3 h 27 min 46 s
